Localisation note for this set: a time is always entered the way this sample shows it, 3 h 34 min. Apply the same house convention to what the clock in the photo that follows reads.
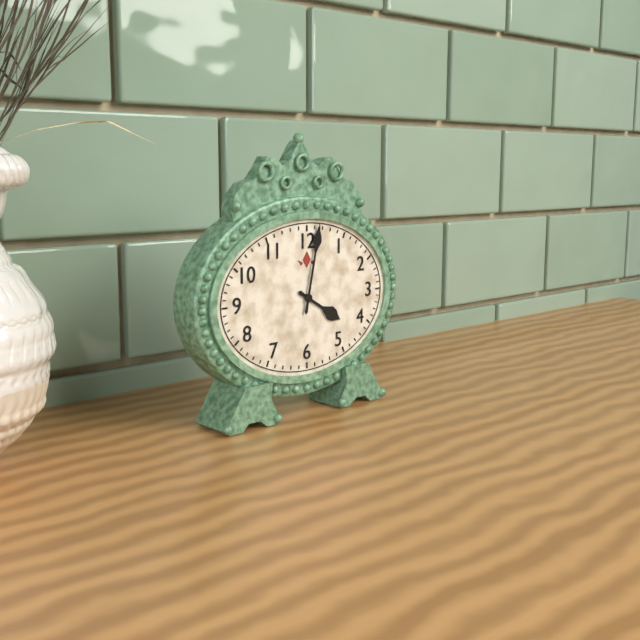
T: 4 h 02 min
